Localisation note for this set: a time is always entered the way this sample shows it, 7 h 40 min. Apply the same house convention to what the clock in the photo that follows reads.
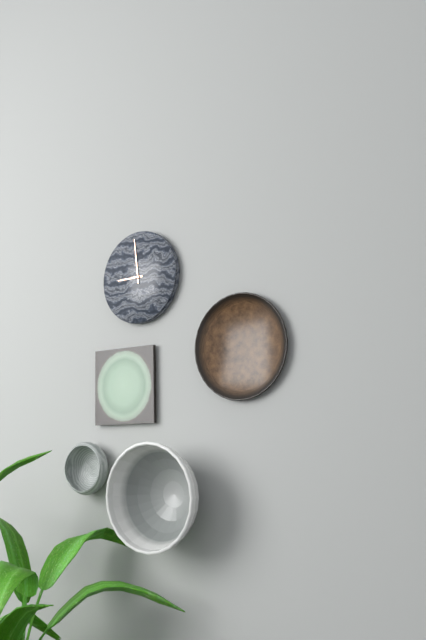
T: 8 h 59 min
